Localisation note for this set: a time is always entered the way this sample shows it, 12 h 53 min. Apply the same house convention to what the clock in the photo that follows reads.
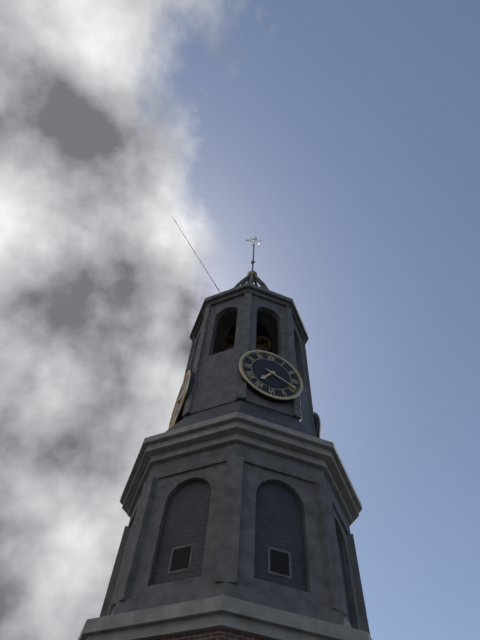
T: 7 h 19 min
